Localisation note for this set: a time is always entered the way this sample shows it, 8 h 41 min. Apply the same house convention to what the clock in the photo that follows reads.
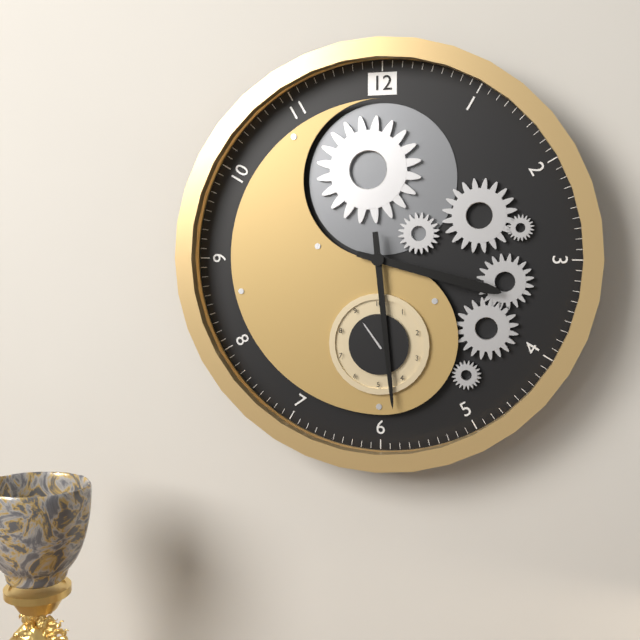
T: 3 h 29 min
